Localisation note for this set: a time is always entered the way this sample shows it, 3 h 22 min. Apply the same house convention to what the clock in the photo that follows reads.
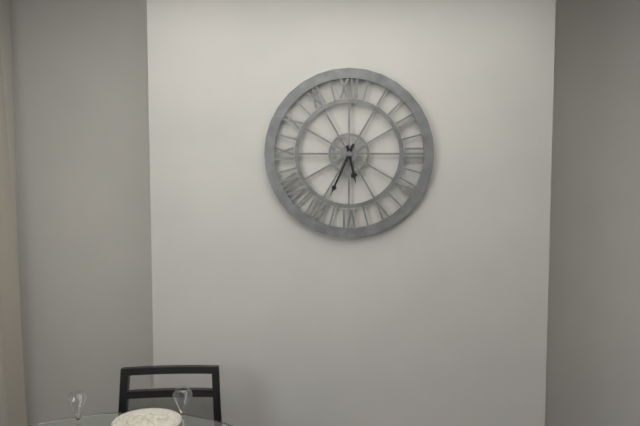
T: 5 h 34 min
